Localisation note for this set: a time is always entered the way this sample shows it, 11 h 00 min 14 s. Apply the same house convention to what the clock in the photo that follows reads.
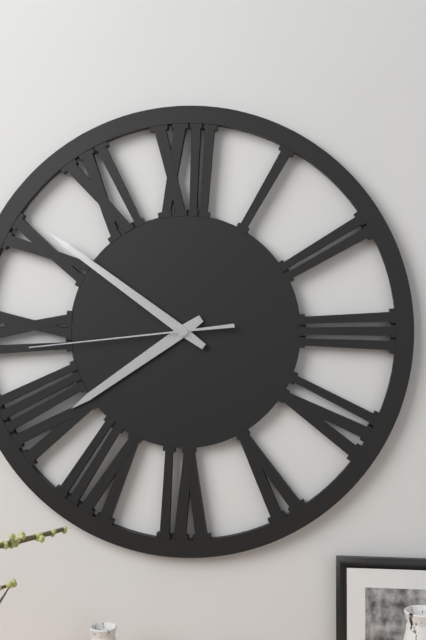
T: 7 h 51 min 44 s
